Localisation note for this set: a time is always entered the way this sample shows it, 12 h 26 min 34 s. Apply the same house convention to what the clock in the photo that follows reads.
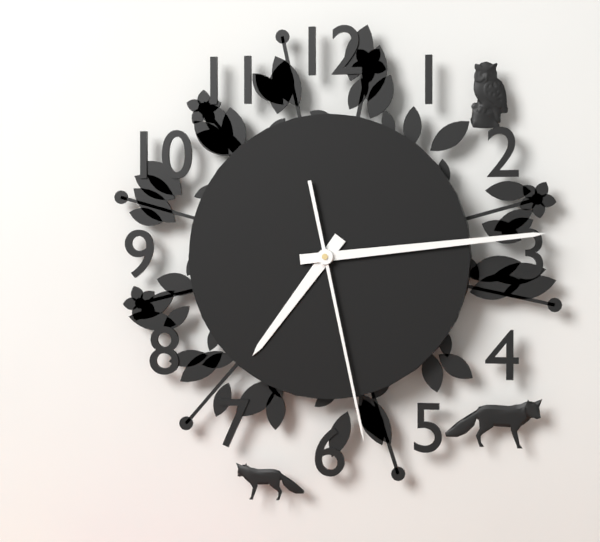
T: 7 h 14 min 28 s
